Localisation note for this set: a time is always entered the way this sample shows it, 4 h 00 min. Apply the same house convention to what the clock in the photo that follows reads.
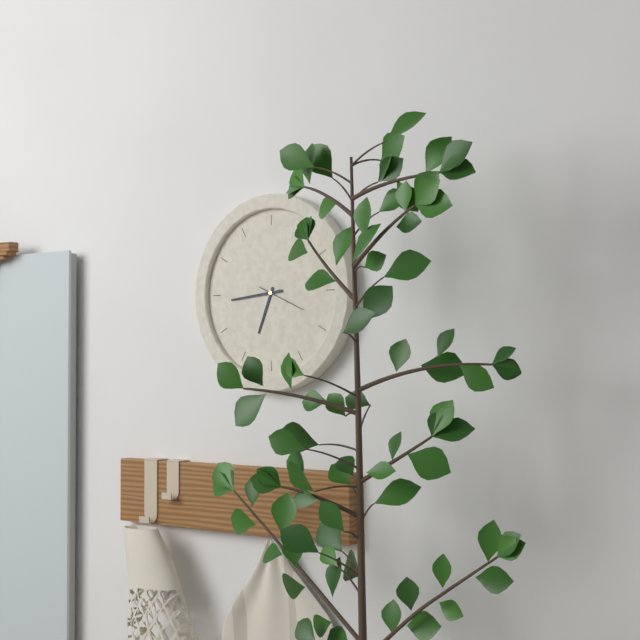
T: 6 h 44 min
